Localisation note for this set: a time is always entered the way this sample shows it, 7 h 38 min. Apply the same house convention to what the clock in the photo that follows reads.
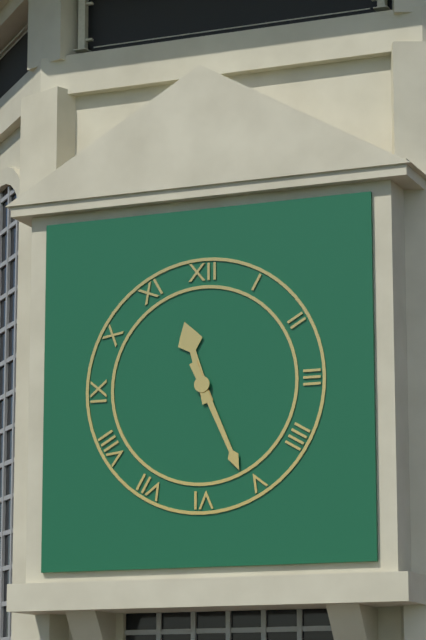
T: 11 h 26 min
